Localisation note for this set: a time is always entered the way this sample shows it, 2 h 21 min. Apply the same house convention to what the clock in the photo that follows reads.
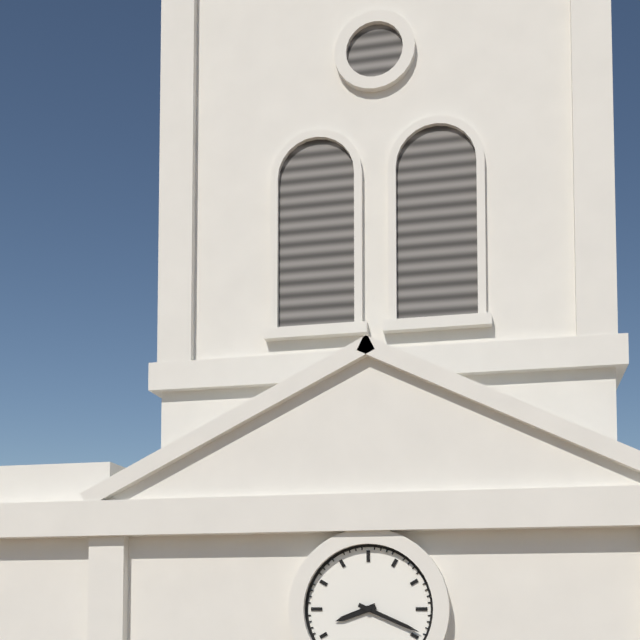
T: 8 h 19 min
